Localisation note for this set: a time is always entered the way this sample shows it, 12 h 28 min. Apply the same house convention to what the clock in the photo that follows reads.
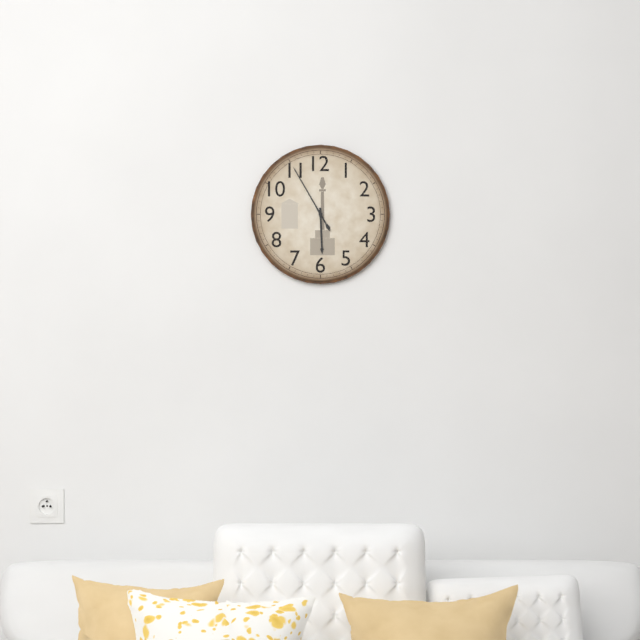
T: 5 h 55 min
